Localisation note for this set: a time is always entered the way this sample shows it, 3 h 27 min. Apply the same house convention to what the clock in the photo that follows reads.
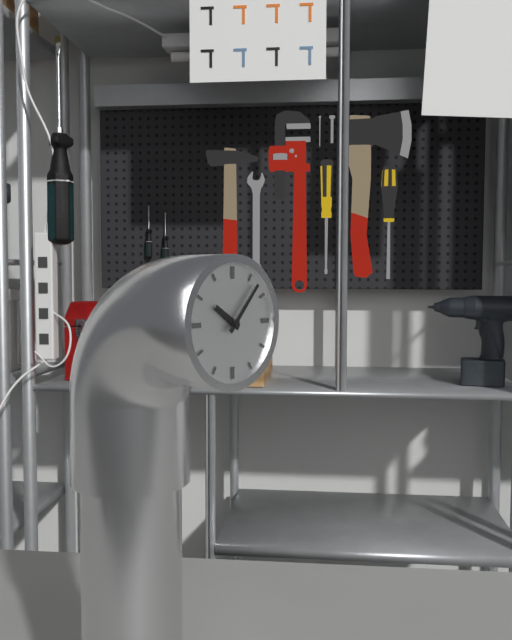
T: 10 h 07 min
